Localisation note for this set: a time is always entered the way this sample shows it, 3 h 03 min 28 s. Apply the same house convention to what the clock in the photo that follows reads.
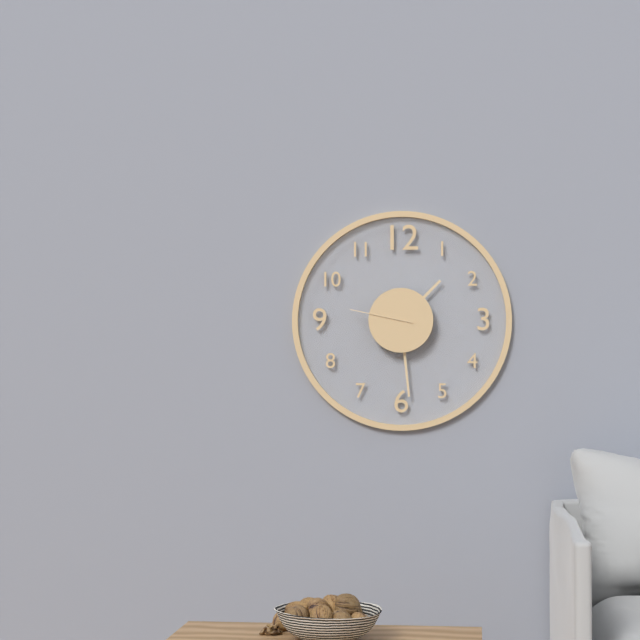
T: 1 h 29 min 47 s
